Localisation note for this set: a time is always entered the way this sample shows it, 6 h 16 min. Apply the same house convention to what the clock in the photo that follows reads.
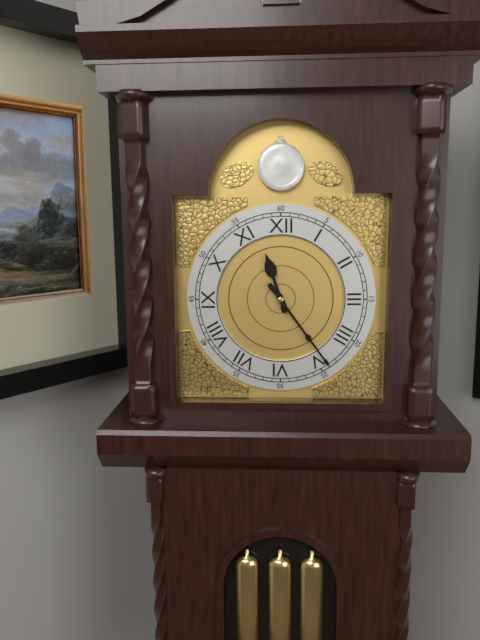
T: 11 h 24 min
